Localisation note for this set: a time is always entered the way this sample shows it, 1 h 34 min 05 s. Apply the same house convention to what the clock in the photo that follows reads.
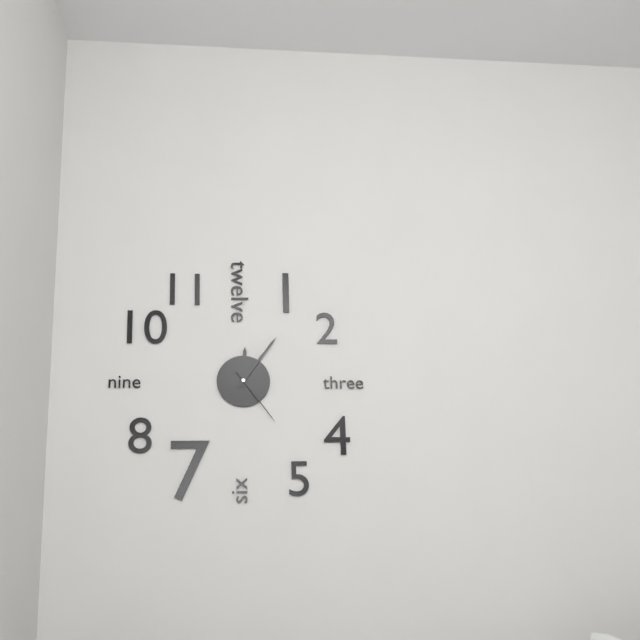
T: 12 h 06 min 24 s
